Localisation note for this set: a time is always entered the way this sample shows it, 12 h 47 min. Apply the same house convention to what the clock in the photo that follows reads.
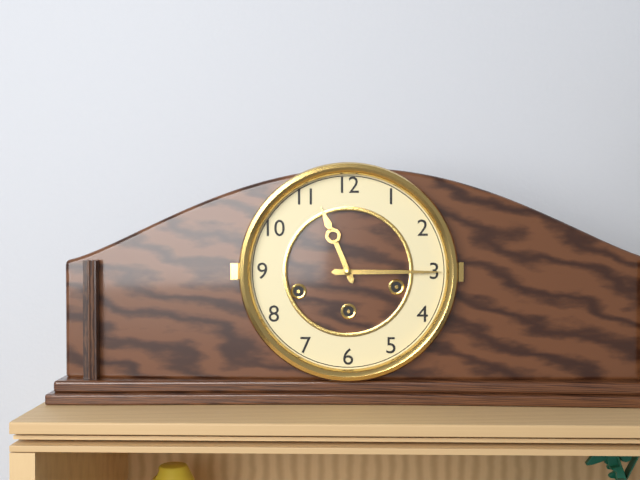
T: 11 h 15 min
